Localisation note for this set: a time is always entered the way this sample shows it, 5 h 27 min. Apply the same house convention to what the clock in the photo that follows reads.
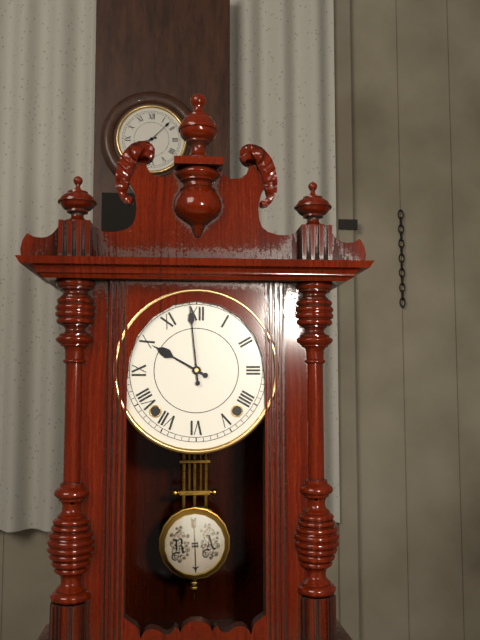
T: 9 h 59 min
